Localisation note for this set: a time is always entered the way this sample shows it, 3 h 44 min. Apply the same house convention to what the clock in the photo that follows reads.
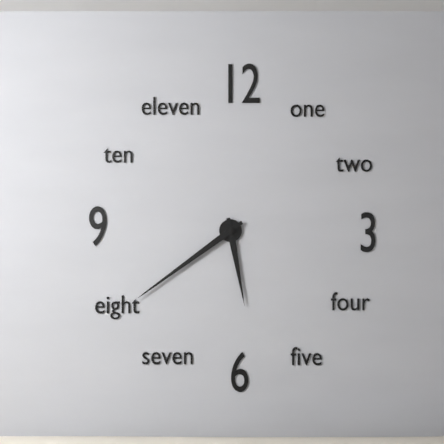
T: 5 h 39 min
